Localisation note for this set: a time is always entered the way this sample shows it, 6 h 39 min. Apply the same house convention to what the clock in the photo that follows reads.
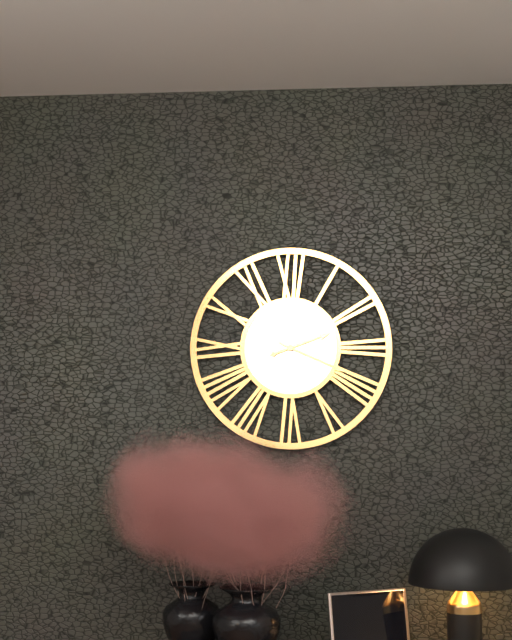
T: 2 h 19 min
